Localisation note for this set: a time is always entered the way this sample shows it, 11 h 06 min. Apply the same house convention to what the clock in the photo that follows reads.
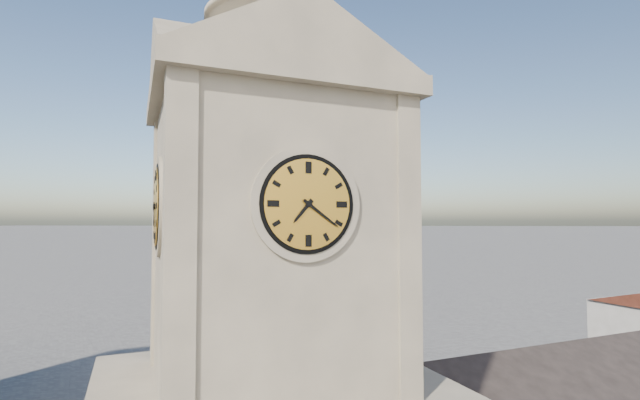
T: 7 h 21 min
